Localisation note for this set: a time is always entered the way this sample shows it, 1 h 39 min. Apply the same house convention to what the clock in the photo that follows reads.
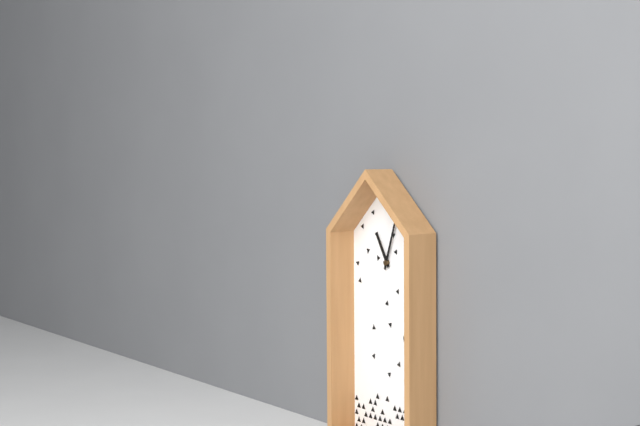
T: 11 h 03 min
